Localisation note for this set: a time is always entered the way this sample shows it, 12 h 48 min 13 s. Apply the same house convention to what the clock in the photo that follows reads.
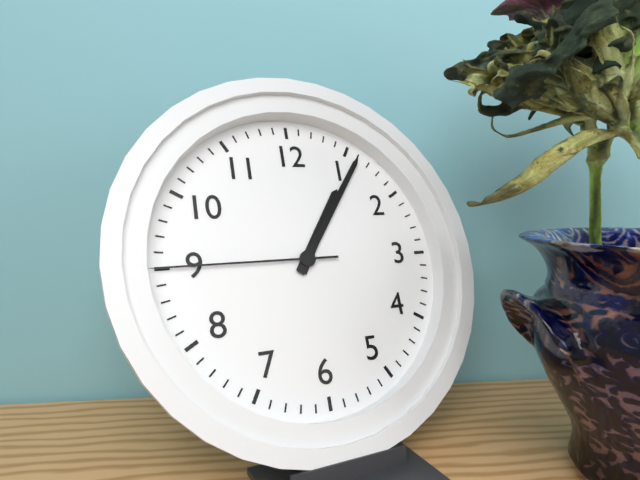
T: 1 h 06 min 45 s
